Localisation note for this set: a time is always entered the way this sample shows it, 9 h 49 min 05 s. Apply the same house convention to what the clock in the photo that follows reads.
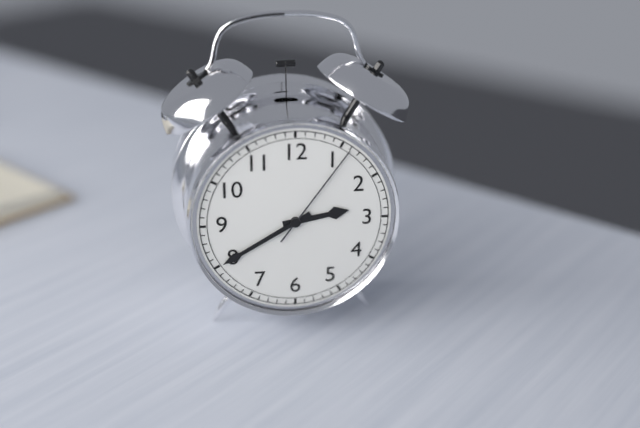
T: 2 h 40 min 06 s
